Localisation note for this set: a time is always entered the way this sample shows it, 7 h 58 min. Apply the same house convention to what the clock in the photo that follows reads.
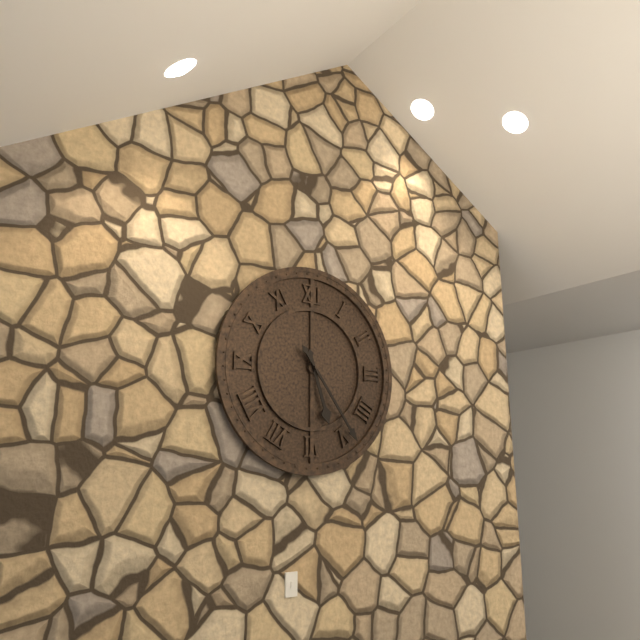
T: 5 h 24 min
